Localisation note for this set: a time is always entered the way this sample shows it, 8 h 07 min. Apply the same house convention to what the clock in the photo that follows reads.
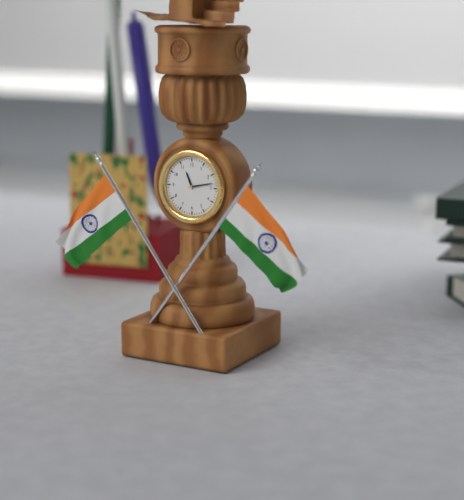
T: 11 h 13 min
